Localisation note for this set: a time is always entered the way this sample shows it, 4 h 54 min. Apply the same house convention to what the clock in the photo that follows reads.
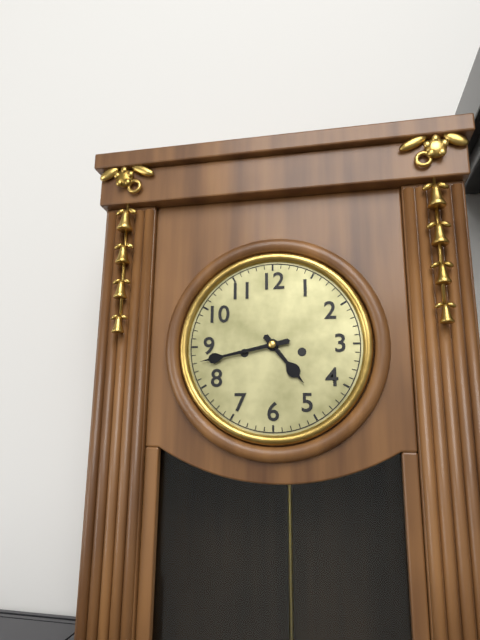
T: 4 h 43 min
